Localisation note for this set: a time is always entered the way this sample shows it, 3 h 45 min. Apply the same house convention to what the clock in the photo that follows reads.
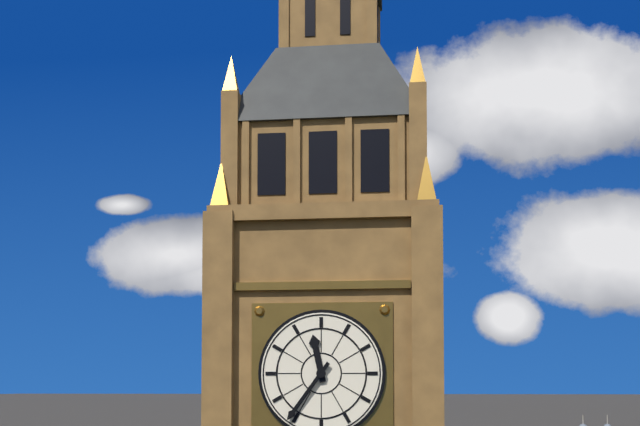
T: 11 h 36 min
